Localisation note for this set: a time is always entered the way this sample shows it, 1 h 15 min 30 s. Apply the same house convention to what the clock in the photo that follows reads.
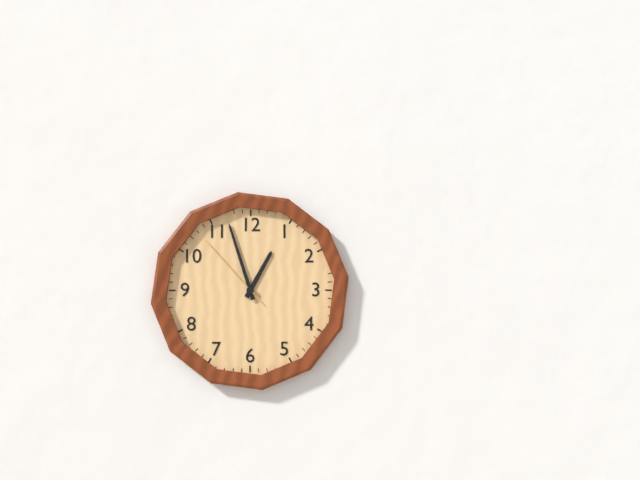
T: 12 h 57 min 53 s
